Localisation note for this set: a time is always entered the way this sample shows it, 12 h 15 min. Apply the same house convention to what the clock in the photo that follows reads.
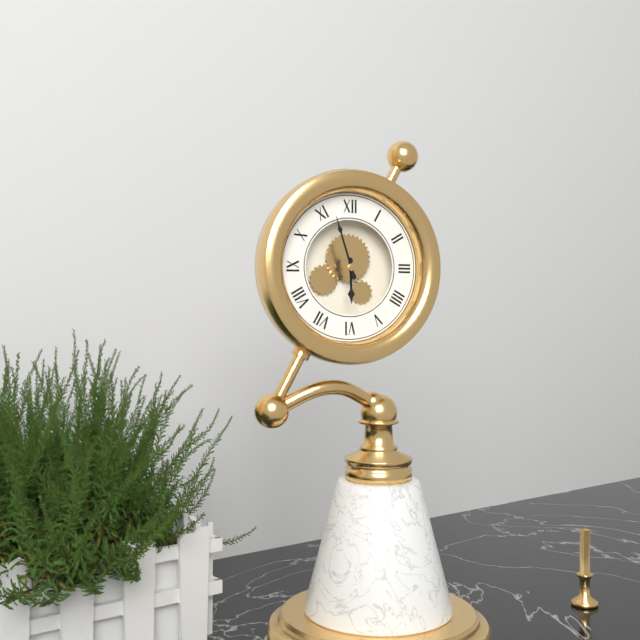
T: 5 h 57 min
